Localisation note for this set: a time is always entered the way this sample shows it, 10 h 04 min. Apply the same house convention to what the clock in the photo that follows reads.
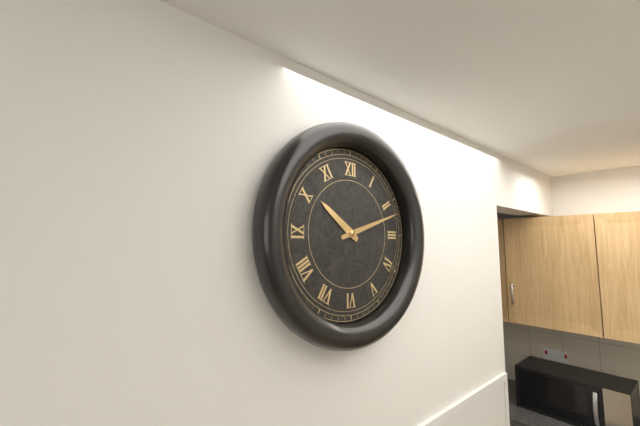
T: 10 h 12 min
